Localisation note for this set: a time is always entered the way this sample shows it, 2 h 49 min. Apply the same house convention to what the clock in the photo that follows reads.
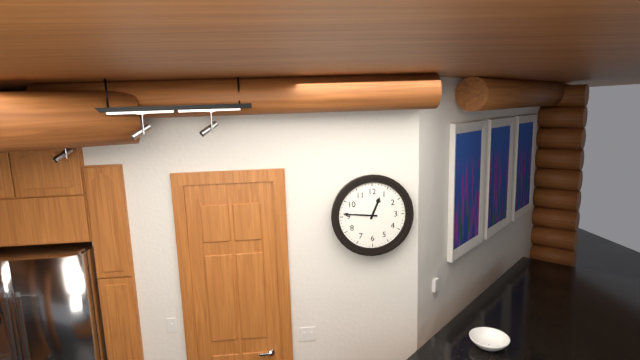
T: 12 h 46 min
